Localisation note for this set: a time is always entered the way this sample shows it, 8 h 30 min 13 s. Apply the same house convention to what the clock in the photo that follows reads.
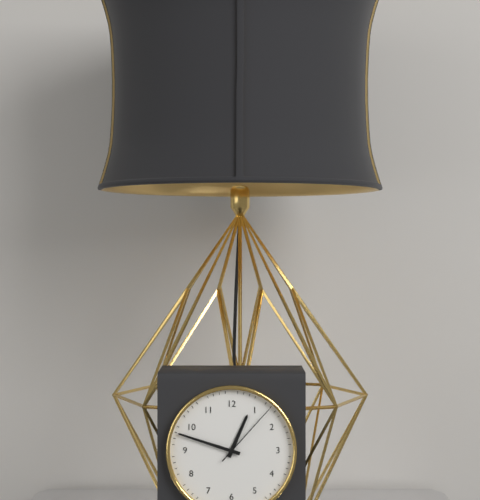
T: 12 h 48 min 07 s
